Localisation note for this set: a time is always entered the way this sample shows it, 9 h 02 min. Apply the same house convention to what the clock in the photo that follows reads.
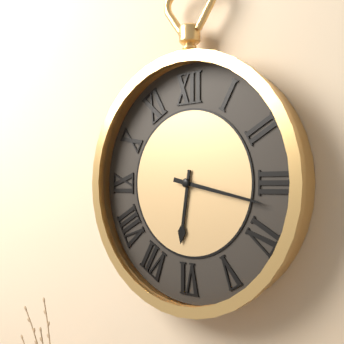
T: 6 h 17 min
